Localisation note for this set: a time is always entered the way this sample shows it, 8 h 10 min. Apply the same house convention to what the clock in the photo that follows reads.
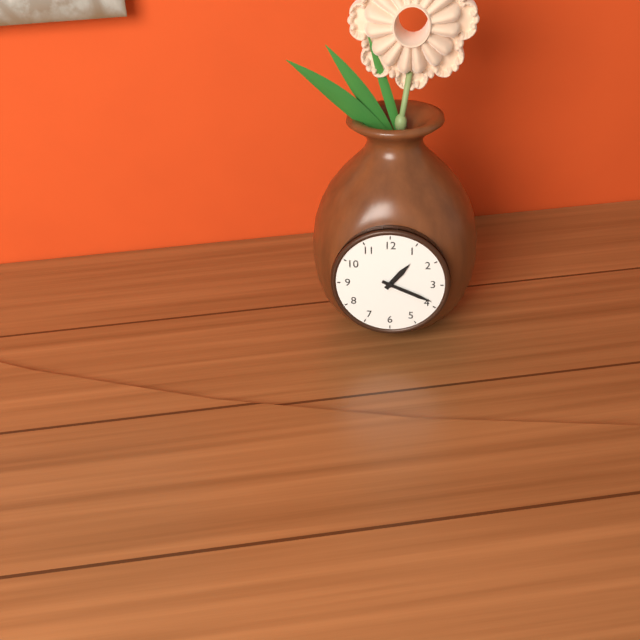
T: 1 h 19 min
